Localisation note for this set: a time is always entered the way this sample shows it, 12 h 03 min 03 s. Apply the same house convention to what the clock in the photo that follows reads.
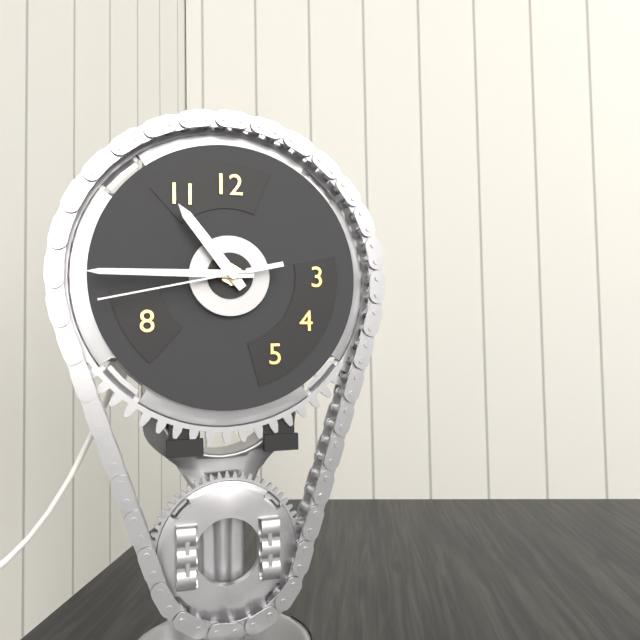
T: 10 h 45 min 43 s
